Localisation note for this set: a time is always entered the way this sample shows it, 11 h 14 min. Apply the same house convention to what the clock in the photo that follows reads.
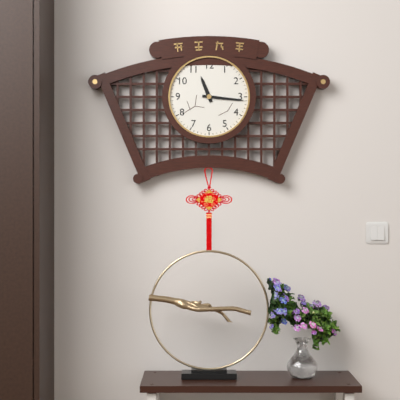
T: 11 h 16 min
